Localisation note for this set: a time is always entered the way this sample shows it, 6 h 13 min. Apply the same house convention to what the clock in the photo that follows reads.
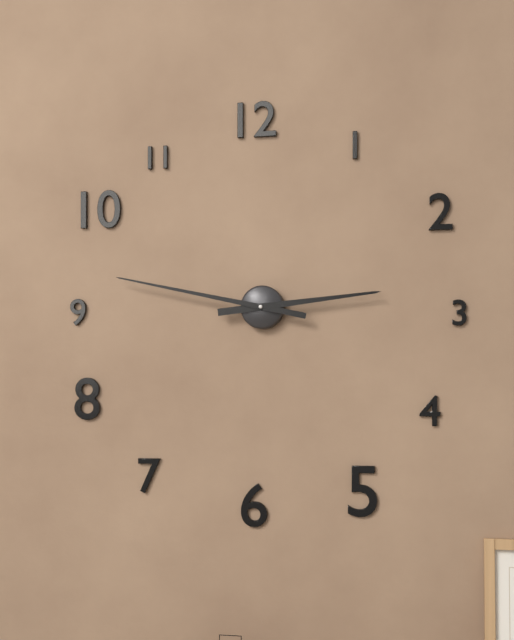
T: 2 h 47 min
